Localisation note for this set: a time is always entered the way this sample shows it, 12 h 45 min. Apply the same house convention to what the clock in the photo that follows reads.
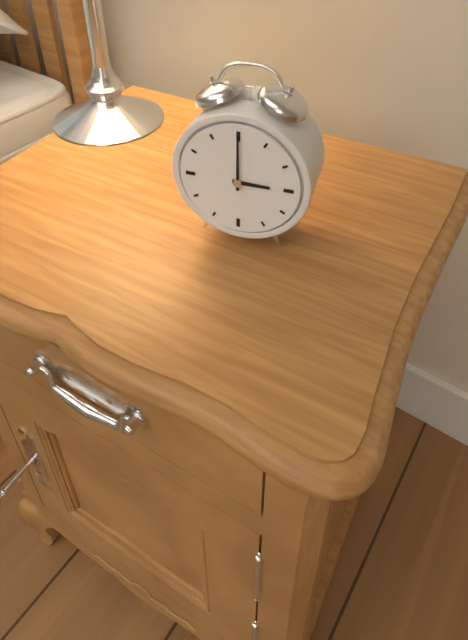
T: 3 h 00 min
